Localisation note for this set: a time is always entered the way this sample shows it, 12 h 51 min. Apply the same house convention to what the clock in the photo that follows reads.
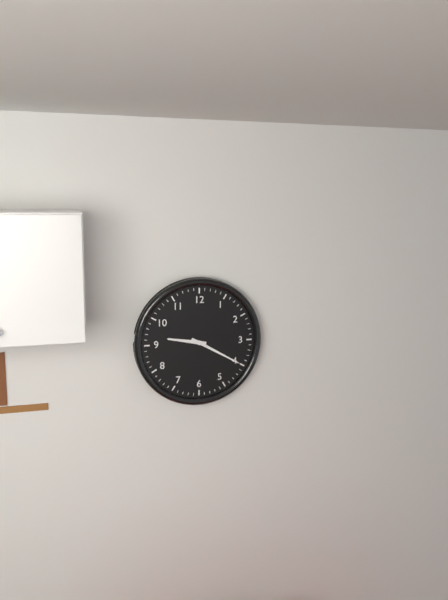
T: 9 h 20 min
